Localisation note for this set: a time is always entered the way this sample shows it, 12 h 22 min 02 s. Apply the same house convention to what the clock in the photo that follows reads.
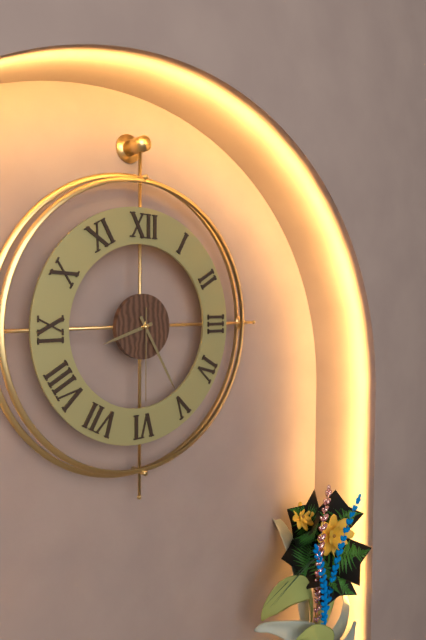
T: 8 h 25 min 30 s
